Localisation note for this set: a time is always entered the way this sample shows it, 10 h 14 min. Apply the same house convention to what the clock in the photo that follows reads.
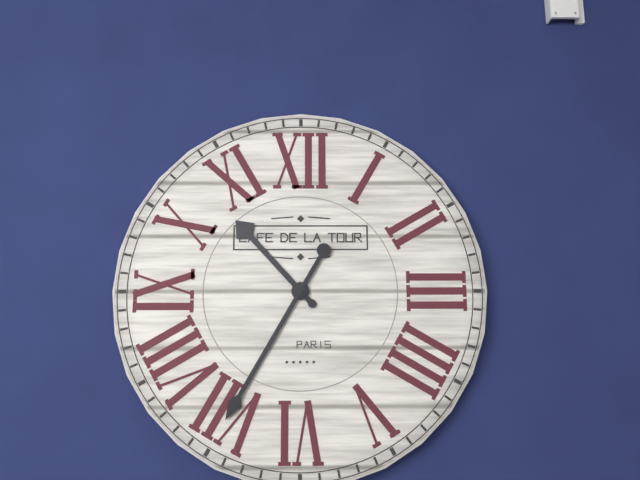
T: 10 h 35 min
